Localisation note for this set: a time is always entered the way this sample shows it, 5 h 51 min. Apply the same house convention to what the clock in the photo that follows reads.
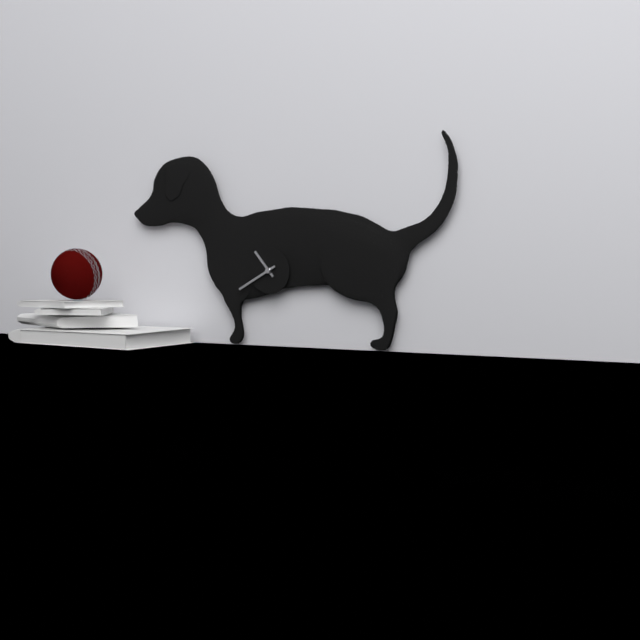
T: 10 h 40 min
